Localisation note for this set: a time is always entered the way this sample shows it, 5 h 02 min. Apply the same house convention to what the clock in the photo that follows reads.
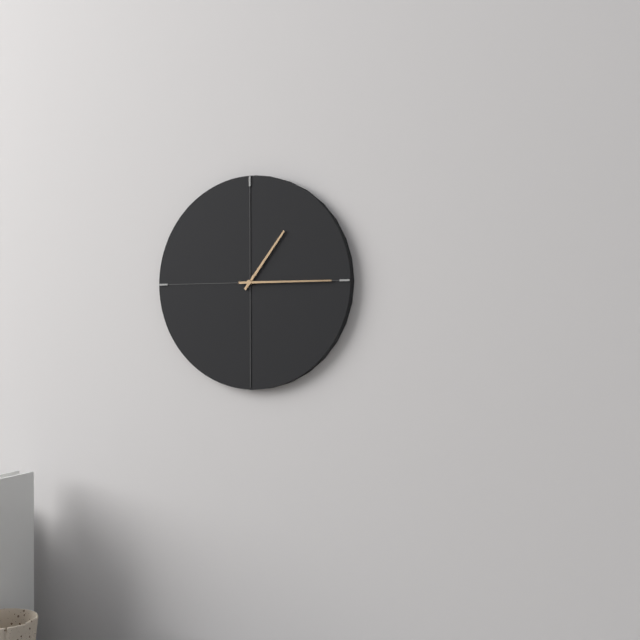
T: 1 h 15 min
